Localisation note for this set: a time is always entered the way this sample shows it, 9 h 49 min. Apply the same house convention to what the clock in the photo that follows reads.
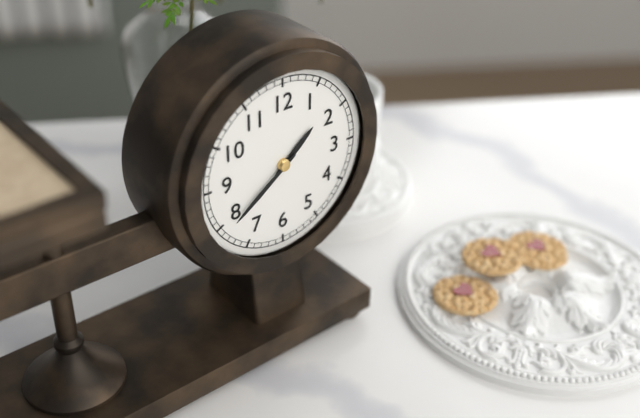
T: 1 h 39 min
